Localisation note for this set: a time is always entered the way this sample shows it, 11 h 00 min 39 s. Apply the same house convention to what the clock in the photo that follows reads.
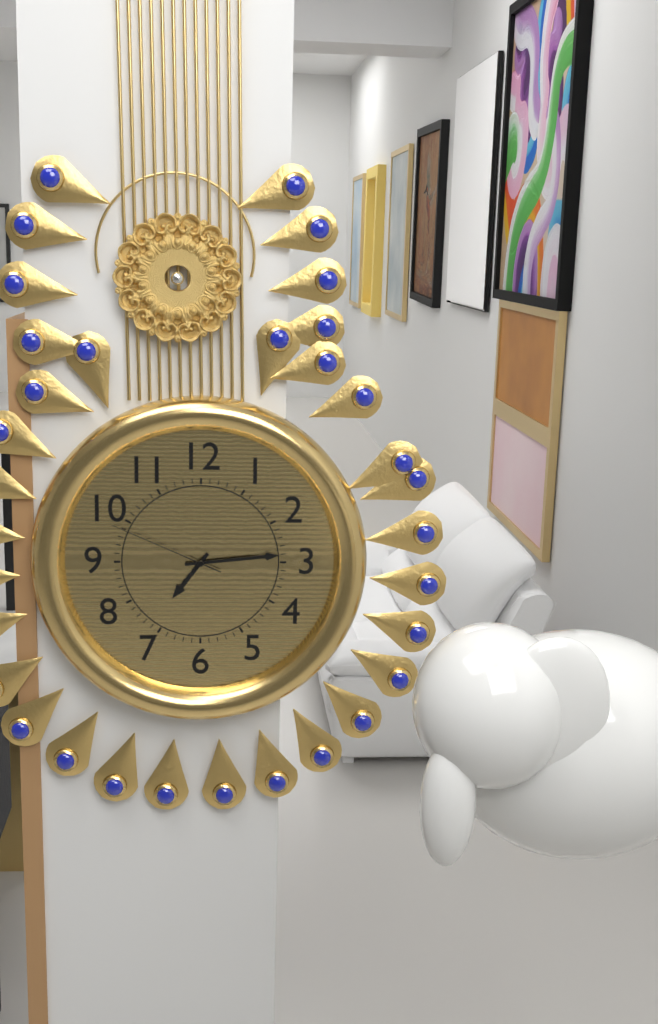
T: 7 h 14 min 49 s
